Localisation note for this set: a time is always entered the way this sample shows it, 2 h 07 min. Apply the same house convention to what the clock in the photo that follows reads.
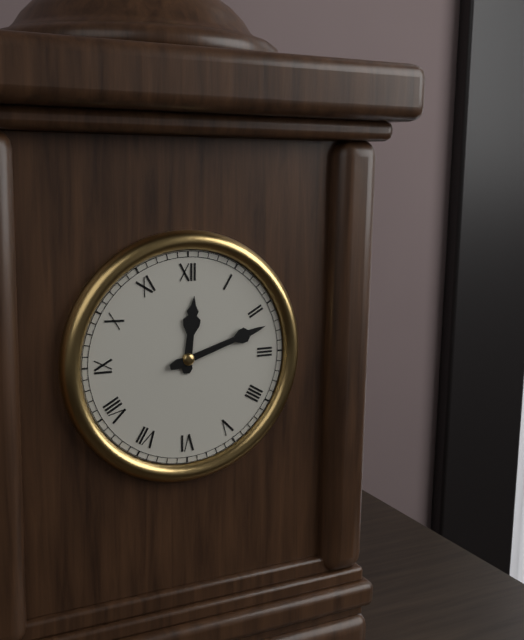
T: 12 h 12 min
